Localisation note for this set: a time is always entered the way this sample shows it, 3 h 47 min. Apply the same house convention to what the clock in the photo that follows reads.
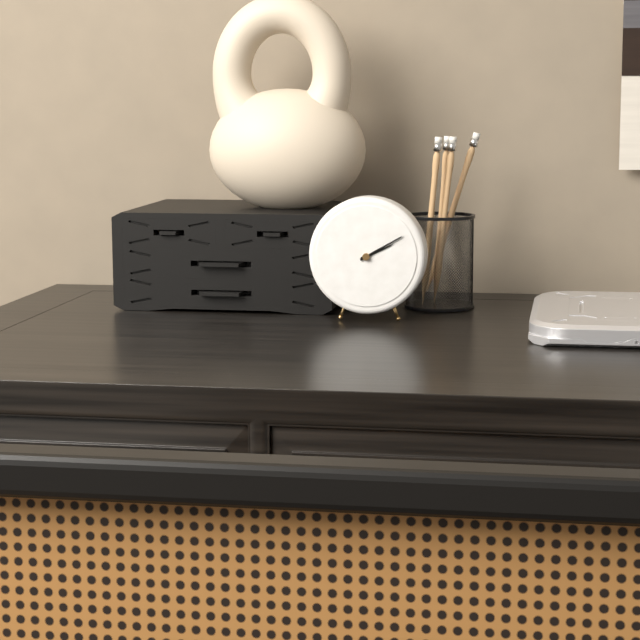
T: 2 h 10 min
